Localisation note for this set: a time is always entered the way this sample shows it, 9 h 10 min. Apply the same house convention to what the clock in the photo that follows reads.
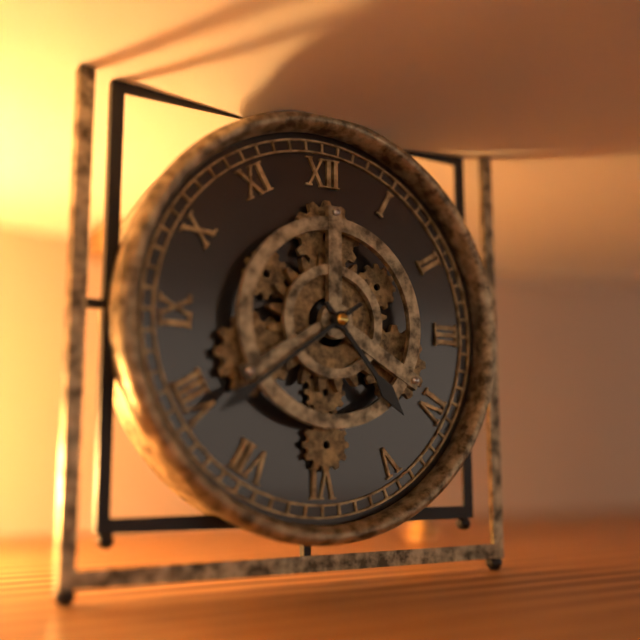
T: 4 h 39 min
